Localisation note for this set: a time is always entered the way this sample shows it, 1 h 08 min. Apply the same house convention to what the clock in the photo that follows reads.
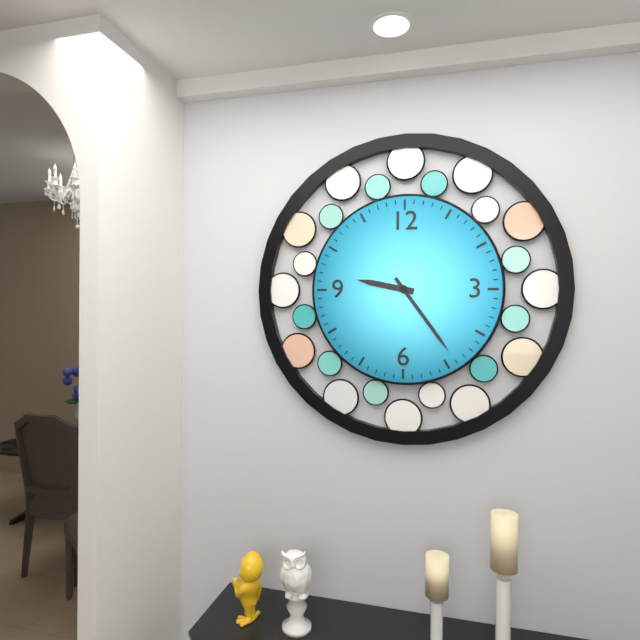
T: 9 h 24 min
